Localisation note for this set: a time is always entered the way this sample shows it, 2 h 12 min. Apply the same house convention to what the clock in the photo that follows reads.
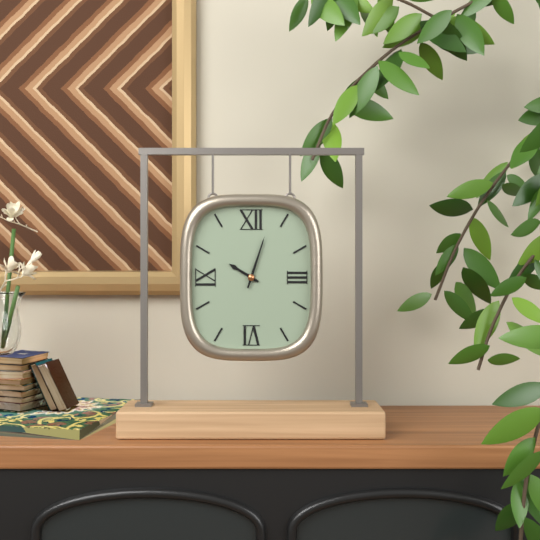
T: 10 h 03 min
